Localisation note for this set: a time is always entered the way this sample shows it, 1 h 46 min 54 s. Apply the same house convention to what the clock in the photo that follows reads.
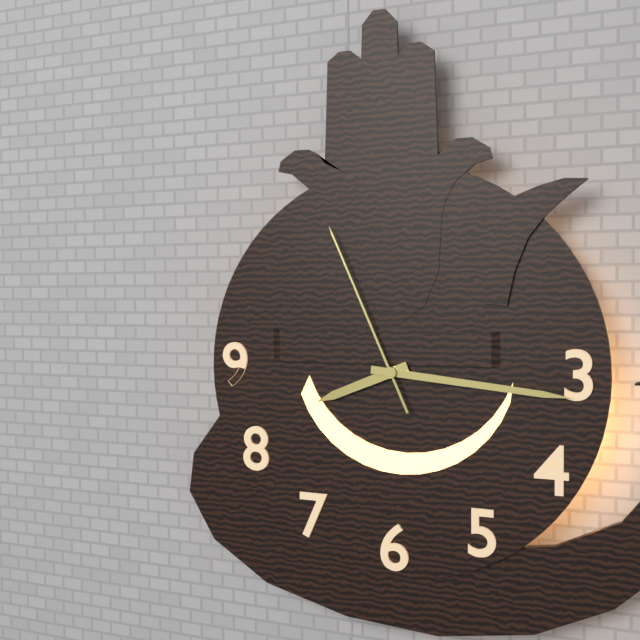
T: 8 h 16 min 56 s
